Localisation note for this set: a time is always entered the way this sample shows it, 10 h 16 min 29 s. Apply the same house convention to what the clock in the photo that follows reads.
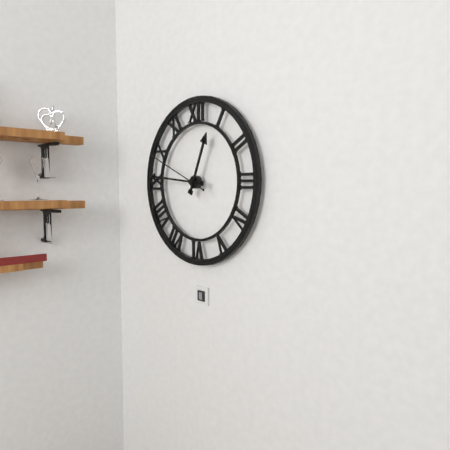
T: 12 h 46 min 49 s
